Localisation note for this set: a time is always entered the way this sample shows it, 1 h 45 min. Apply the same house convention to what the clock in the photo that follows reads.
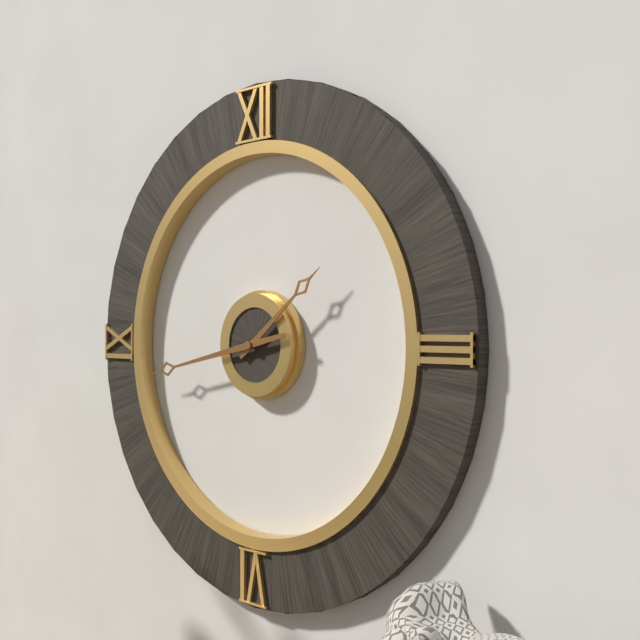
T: 1 h 43 min
